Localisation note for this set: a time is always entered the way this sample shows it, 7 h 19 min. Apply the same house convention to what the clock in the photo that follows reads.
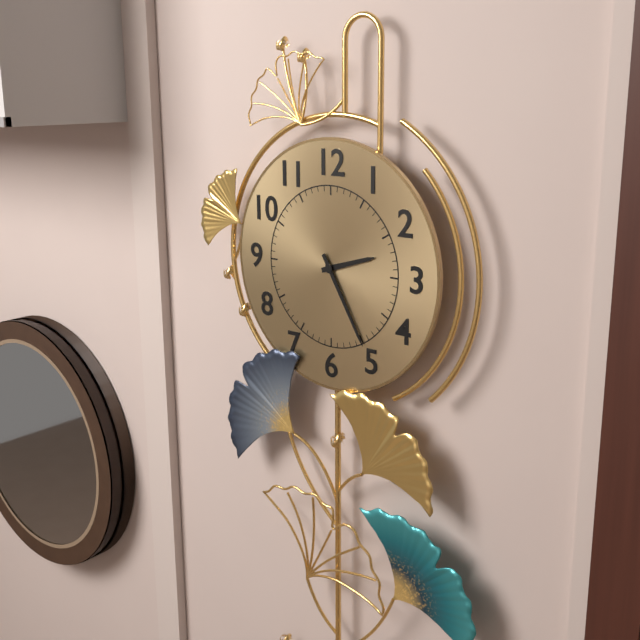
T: 2 h 25 min
